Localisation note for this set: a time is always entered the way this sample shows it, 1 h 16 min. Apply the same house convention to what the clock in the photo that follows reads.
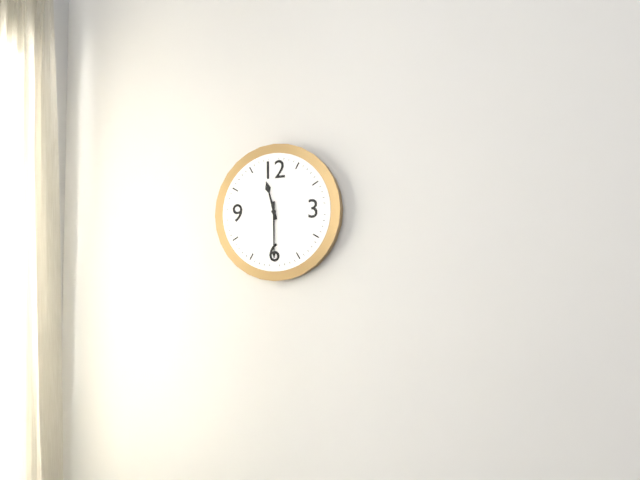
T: 11 h 30 min
